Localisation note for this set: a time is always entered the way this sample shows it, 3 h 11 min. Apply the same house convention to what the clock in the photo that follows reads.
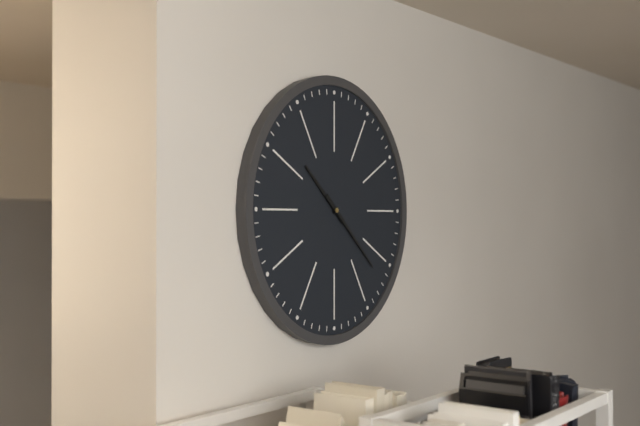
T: 10 h 22 min
